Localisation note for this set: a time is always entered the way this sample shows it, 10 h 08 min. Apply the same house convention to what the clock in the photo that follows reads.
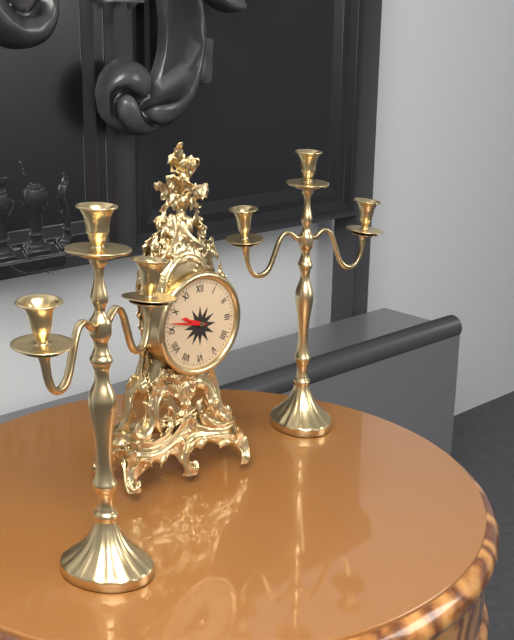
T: 9 h 47 min
